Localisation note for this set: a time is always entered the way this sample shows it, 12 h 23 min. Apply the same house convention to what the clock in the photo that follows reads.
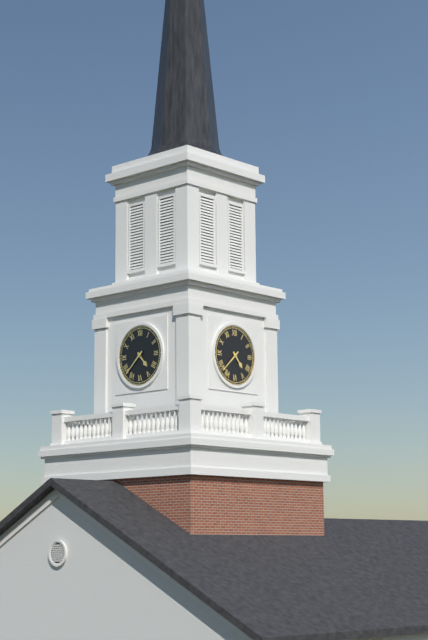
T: 4 h 38 min
